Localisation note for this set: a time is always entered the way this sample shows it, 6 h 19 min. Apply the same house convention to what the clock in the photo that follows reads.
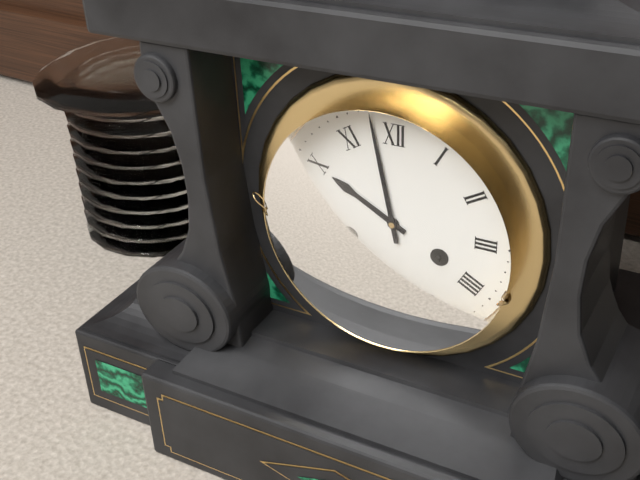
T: 9 h 58 min
